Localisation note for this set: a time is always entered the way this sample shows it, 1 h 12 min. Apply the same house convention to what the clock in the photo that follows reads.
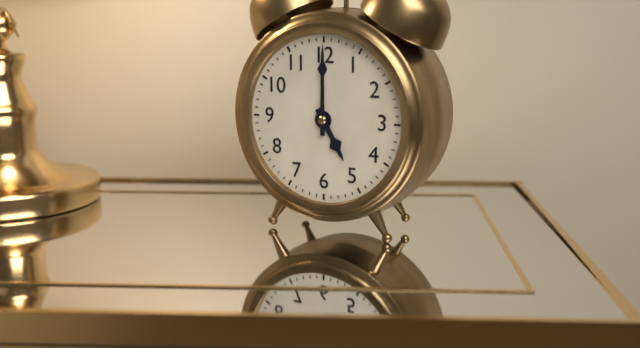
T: 5 h 00 min
